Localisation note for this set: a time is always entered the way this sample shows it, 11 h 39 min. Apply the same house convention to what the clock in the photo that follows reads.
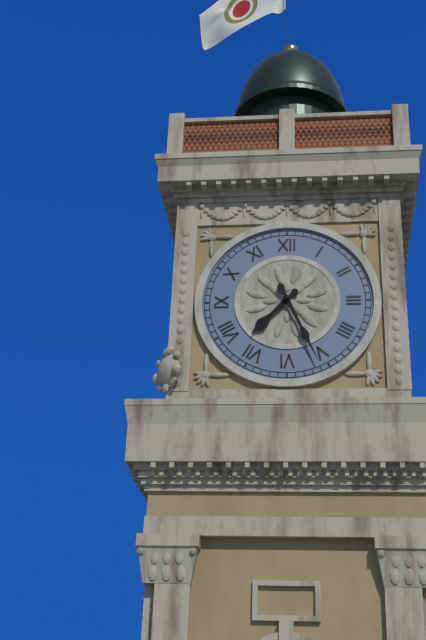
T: 7 h 26 min
